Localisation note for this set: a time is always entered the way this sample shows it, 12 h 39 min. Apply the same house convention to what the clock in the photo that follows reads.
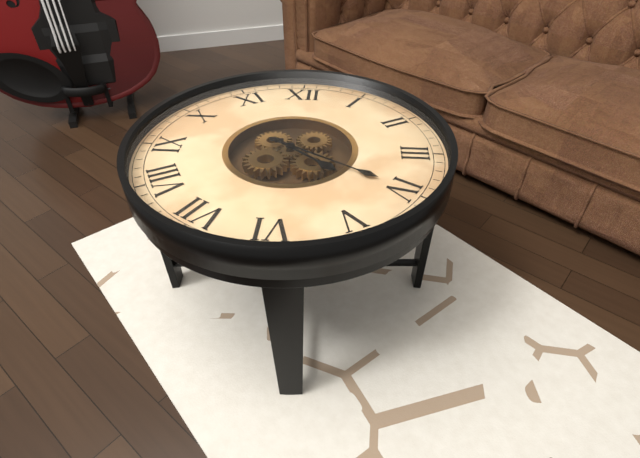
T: 4 h 20 min
